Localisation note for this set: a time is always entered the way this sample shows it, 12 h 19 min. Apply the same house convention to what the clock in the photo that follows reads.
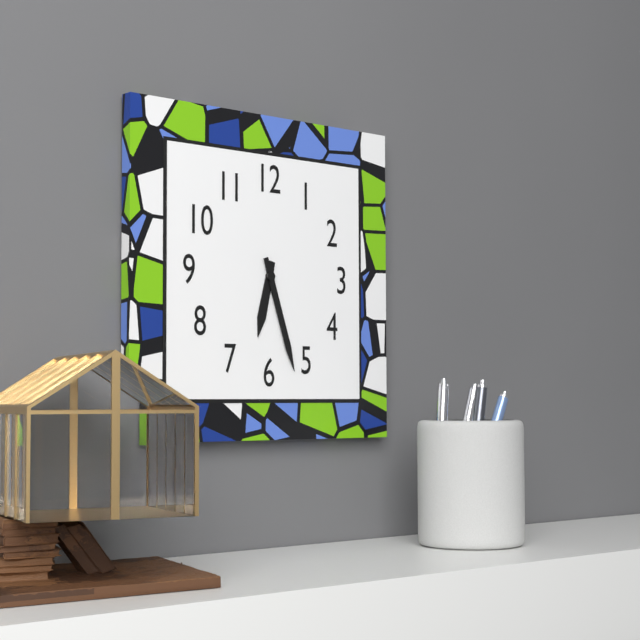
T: 6 h 27 min
